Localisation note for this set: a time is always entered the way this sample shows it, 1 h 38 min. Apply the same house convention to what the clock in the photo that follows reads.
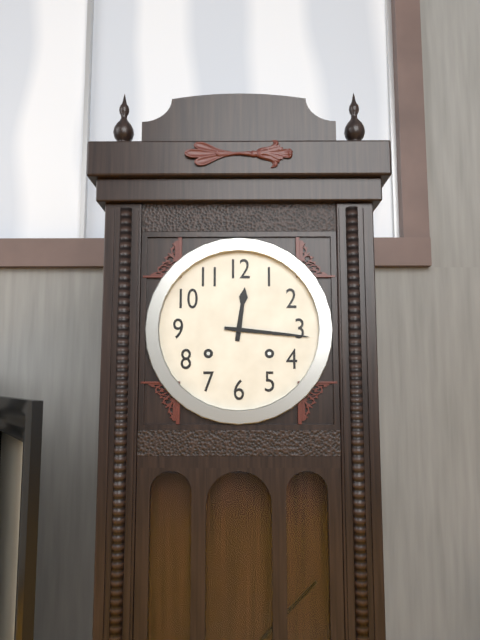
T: 12 h 16 min
